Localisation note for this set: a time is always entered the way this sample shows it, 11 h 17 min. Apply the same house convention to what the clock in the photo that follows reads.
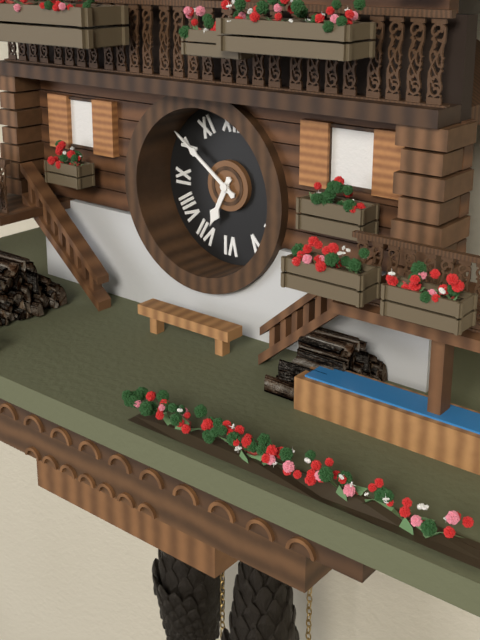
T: 6 h 51 min
